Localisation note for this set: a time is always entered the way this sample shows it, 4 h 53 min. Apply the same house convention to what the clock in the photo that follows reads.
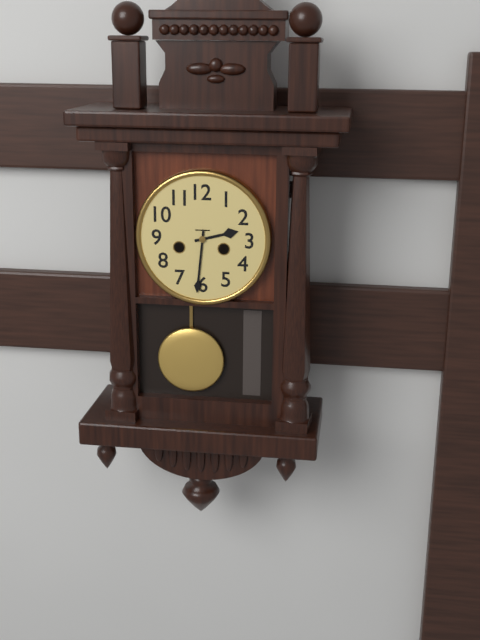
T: 2 h 31 min
